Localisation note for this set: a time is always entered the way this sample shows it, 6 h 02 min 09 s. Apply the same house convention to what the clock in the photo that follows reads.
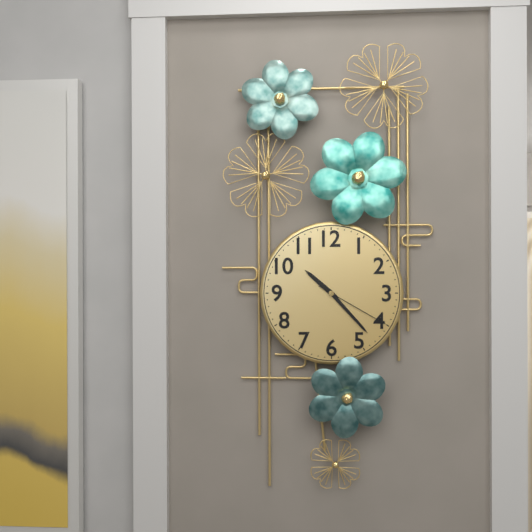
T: 10 h 23 min 20 s
